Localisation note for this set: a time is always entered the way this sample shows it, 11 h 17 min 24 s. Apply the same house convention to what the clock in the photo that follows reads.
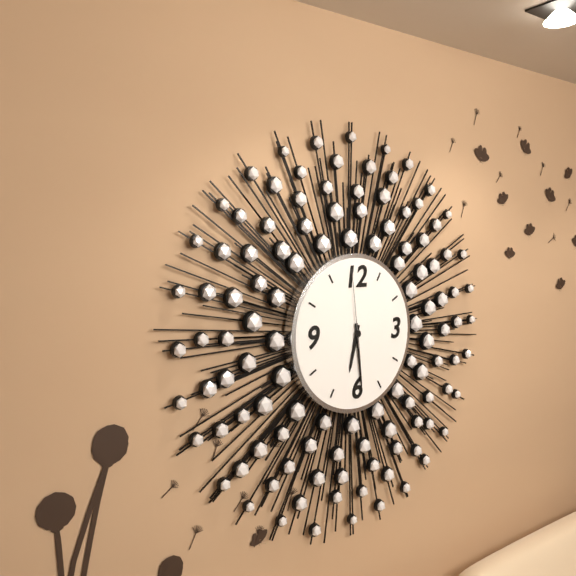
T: 6 h 29 min 59 s
